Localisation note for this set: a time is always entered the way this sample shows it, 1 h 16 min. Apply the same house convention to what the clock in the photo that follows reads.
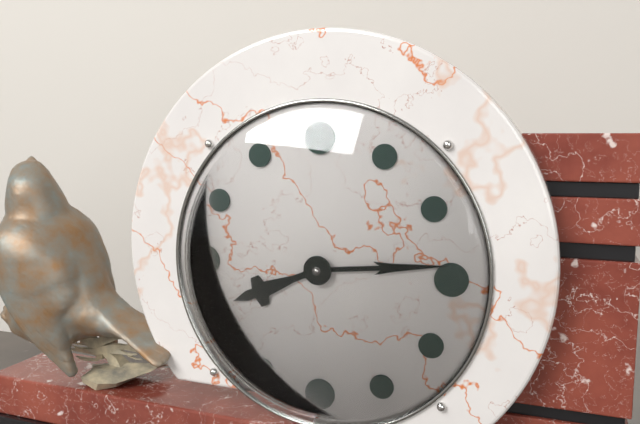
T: 8 h 14 min
